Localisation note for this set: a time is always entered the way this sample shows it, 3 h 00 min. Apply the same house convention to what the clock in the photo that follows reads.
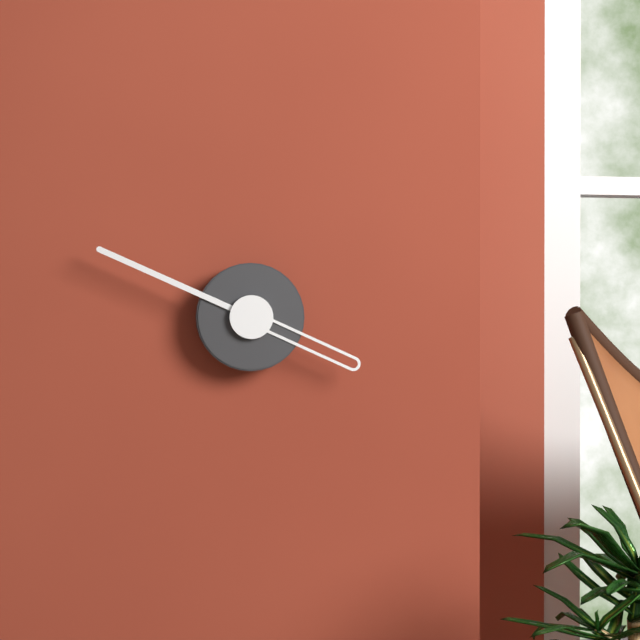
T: 3 h 49 min
